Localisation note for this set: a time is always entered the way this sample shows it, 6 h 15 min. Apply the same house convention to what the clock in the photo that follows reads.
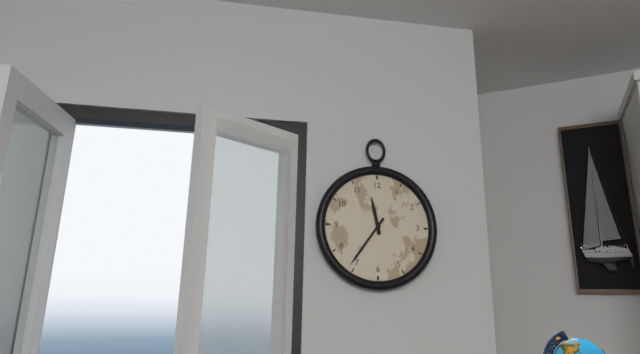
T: 11 h 36 min
